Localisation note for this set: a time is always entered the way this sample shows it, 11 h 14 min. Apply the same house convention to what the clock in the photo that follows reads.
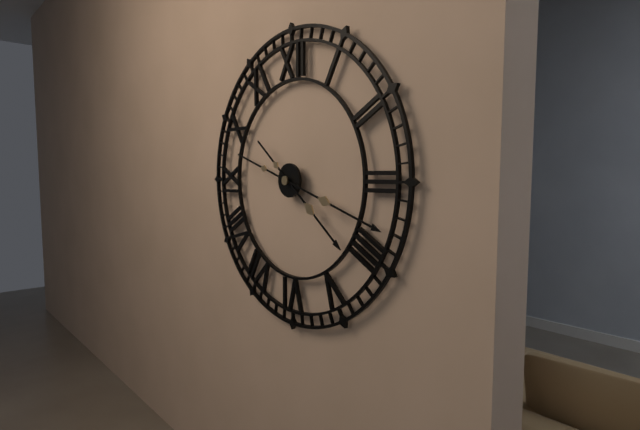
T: 4 h 18 min
